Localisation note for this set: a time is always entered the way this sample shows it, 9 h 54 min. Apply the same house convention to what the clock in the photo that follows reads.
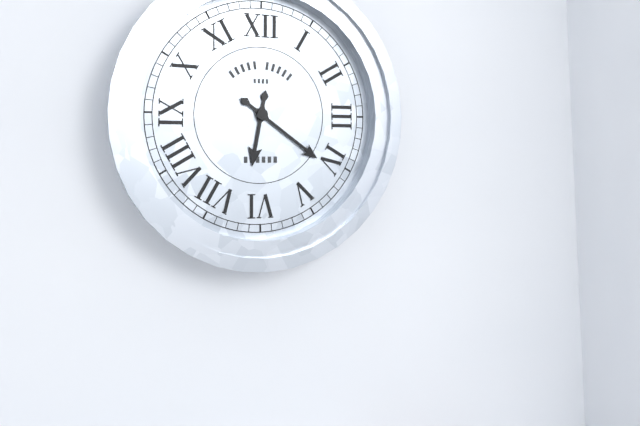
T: 6 h 21 min
